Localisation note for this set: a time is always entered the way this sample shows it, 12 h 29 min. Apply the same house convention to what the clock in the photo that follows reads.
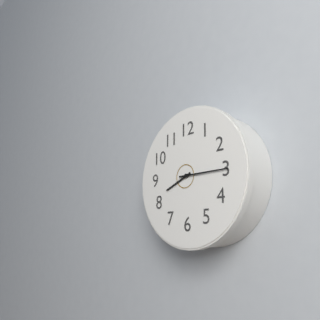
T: 8 h 15 min
